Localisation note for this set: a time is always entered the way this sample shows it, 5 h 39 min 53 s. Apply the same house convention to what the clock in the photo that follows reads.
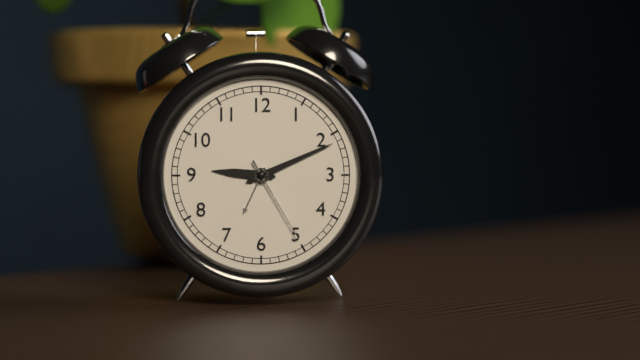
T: 9 h 11 min 25 s
